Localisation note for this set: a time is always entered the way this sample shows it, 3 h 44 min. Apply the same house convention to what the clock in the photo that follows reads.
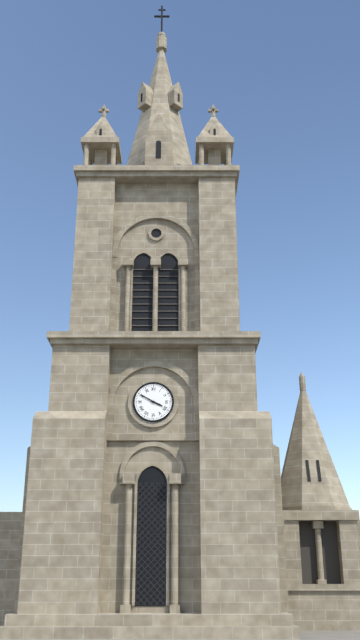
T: 3 h 50 min
